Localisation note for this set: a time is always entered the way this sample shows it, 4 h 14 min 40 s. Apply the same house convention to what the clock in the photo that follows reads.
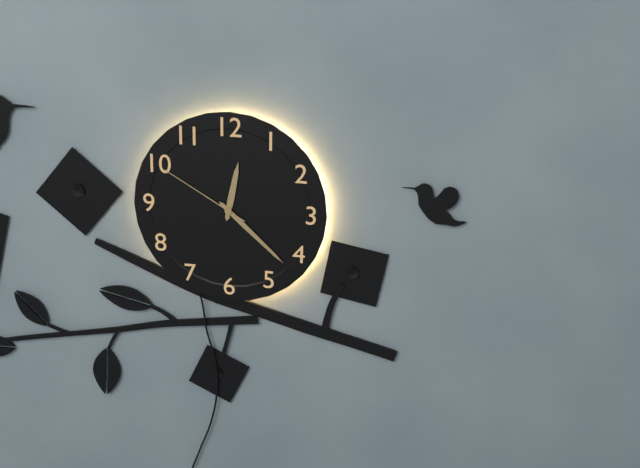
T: 12 h 22 min 50 s
